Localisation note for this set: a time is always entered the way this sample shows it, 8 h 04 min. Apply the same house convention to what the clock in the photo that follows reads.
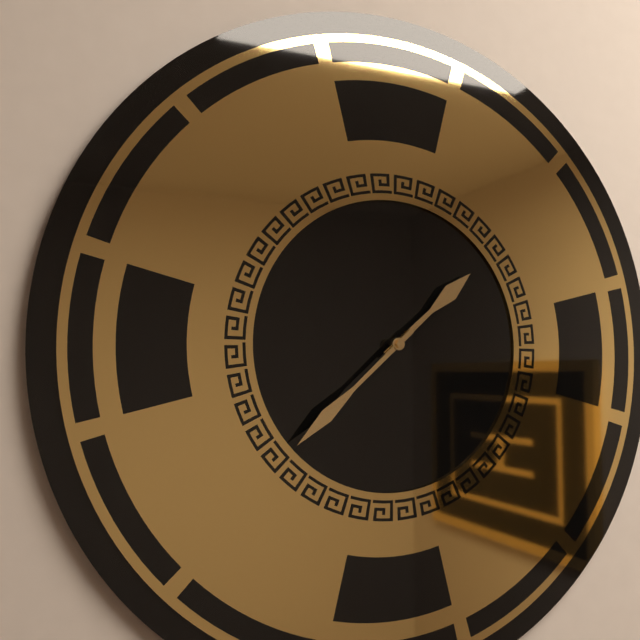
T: 1 h 38 min
